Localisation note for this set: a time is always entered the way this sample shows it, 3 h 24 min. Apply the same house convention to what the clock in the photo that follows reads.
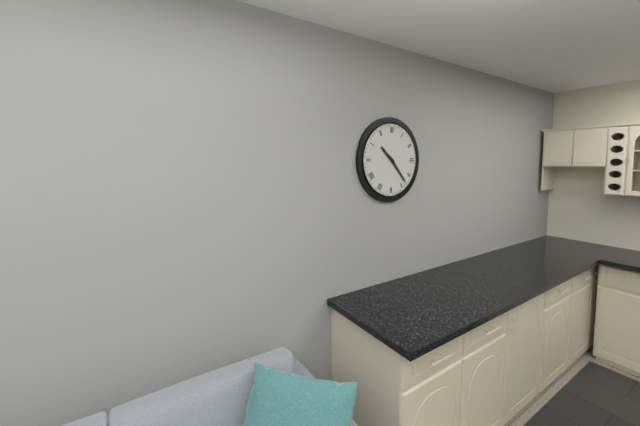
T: 10 h 23 min
